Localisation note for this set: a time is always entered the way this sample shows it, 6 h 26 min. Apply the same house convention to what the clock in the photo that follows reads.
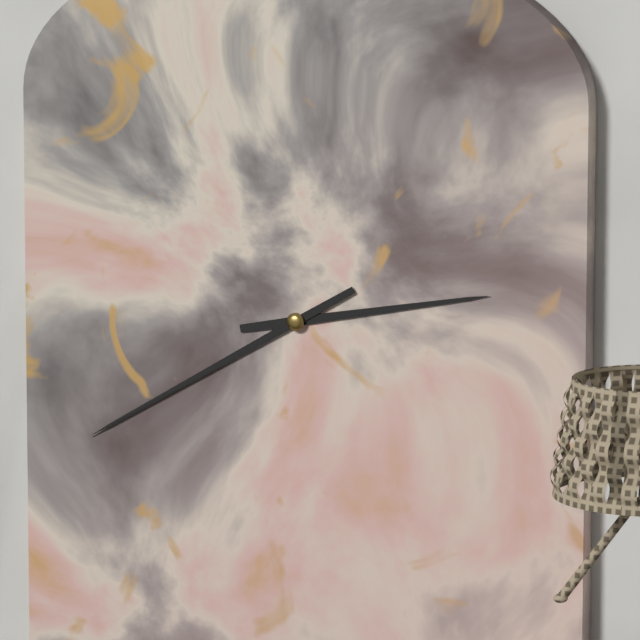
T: 2 h 40 min
